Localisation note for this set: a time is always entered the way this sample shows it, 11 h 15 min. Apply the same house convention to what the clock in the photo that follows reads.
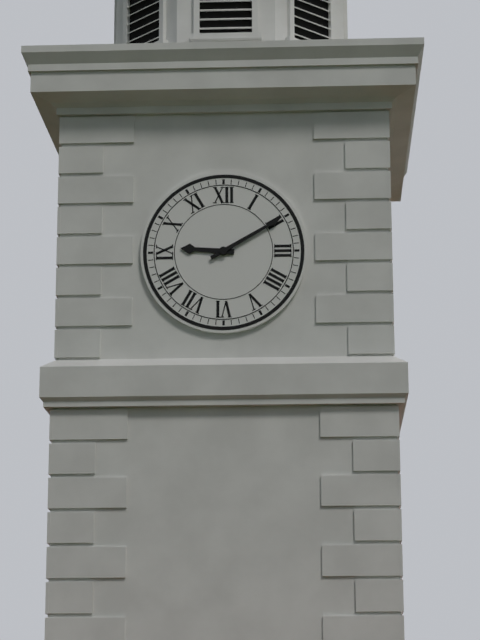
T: 9 h 10 min
